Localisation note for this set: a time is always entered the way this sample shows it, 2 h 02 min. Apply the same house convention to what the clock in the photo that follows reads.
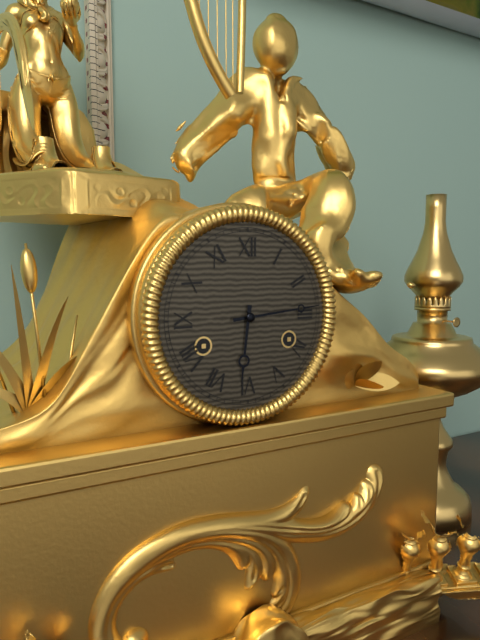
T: 6 h 14 min
